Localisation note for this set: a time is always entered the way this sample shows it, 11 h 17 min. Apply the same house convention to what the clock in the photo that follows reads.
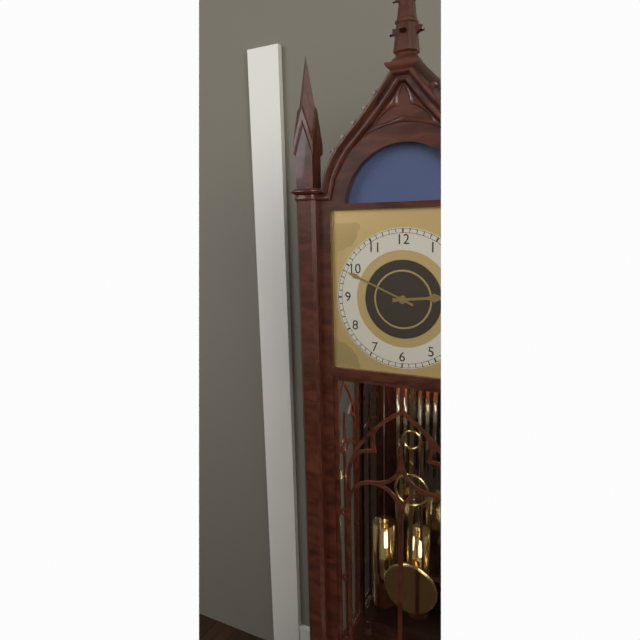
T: 2 h 49 min
